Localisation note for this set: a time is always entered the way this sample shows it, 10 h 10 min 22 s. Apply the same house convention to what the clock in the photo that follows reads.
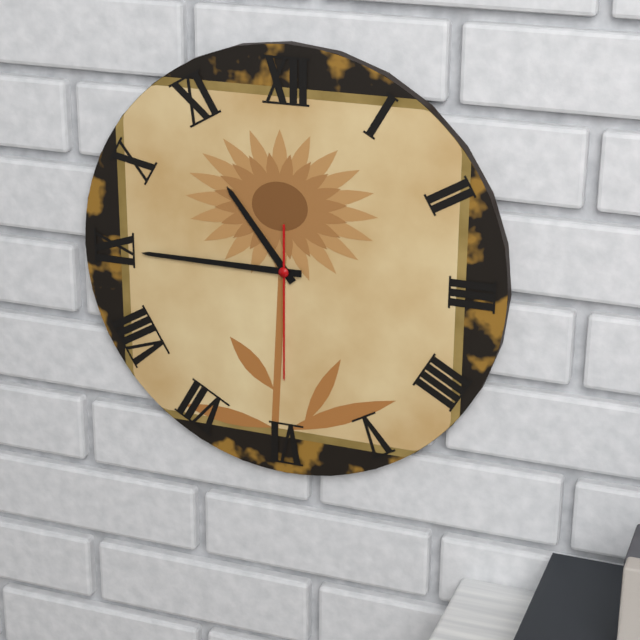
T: 10 h 45 min 30 s
